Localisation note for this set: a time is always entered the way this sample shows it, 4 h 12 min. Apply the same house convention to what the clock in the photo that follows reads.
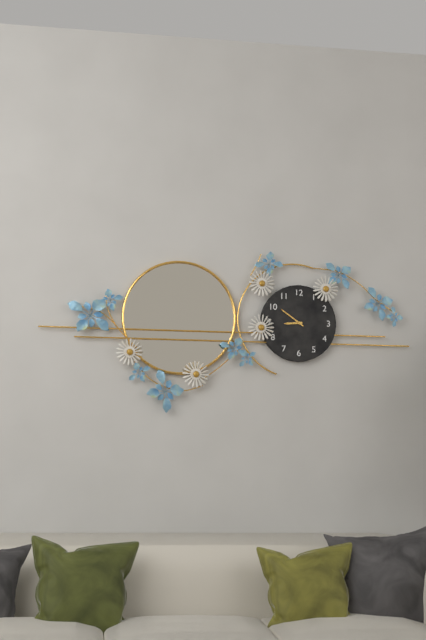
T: 8 h 51 min
